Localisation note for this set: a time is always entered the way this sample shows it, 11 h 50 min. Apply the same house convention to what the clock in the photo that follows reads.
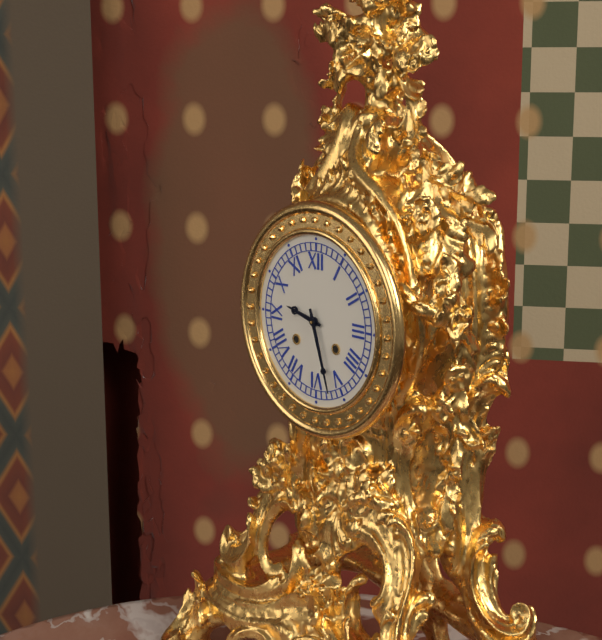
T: 9 h 27 min
